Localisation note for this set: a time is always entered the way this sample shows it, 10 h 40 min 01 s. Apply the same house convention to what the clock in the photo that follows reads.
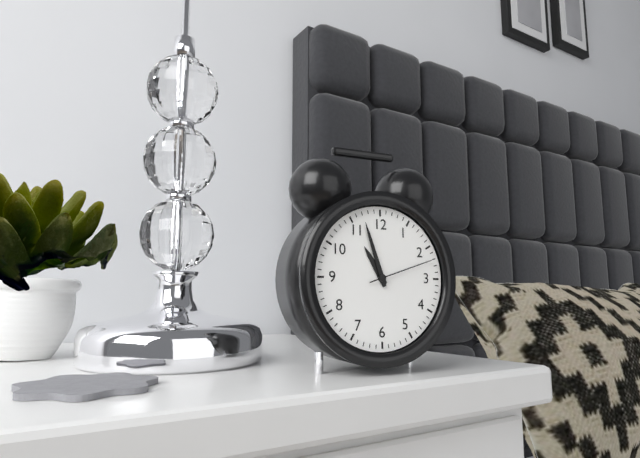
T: 10 h 57 min 12 s
